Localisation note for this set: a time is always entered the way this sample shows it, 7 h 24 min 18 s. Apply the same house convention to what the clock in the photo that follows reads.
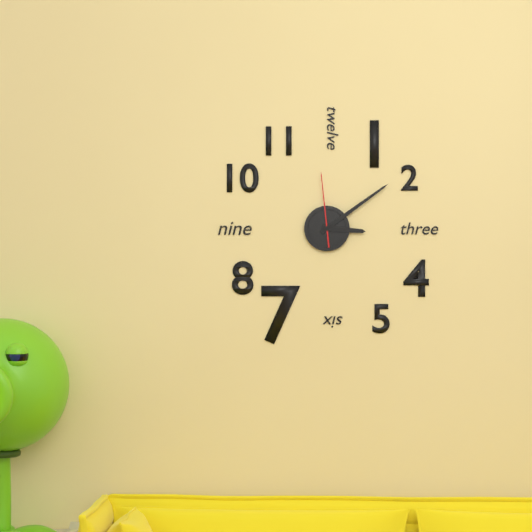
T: 3 h 09 min 59 s
